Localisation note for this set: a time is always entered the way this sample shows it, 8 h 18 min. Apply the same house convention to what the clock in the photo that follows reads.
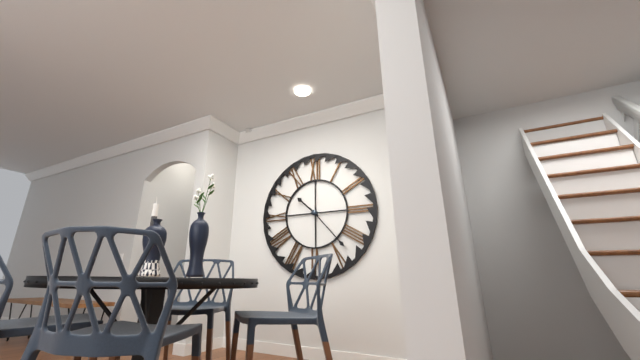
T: 10 h 23 min
